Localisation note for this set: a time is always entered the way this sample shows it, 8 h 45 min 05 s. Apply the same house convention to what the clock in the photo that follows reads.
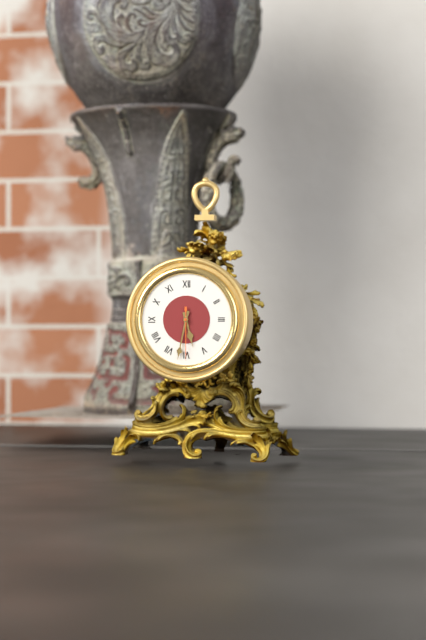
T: 5 h 32 min 30 s
